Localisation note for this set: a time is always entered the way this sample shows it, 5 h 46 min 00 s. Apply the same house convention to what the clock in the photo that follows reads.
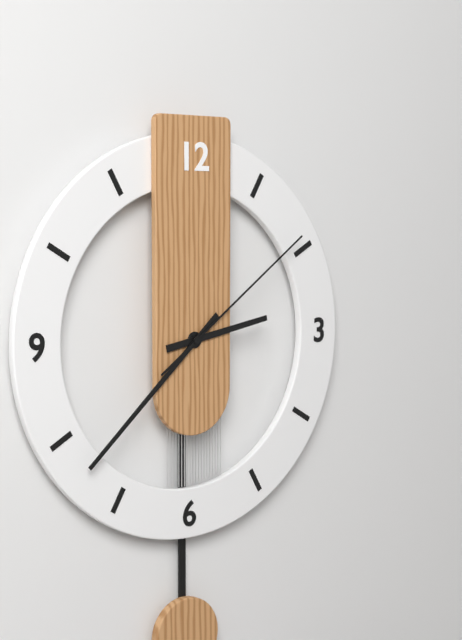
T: 2 h 38 min 09 s
